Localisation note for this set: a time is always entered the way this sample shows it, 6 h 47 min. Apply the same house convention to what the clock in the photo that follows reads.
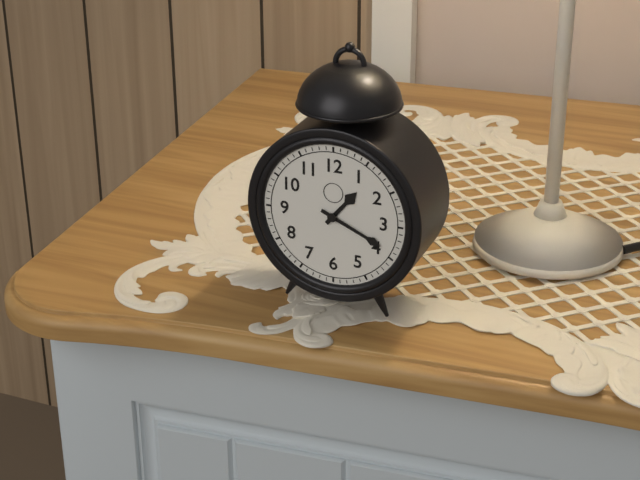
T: 1 h 19 min
